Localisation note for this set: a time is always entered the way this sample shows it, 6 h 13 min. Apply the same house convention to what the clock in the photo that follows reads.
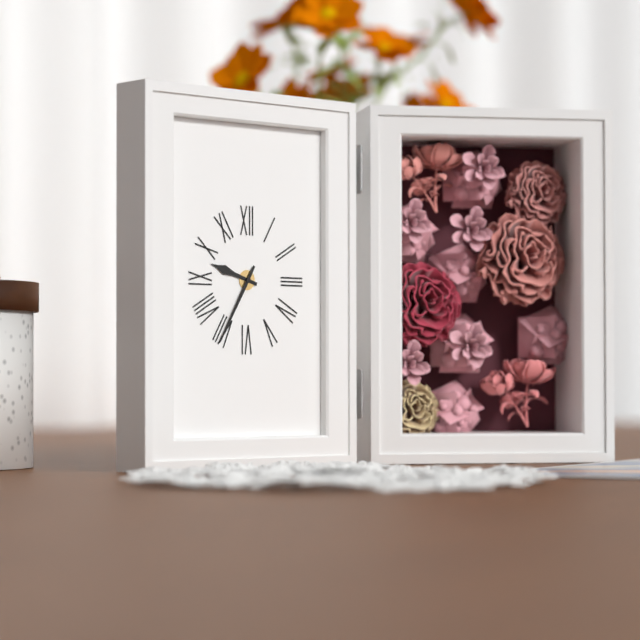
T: 9 h 35 min
